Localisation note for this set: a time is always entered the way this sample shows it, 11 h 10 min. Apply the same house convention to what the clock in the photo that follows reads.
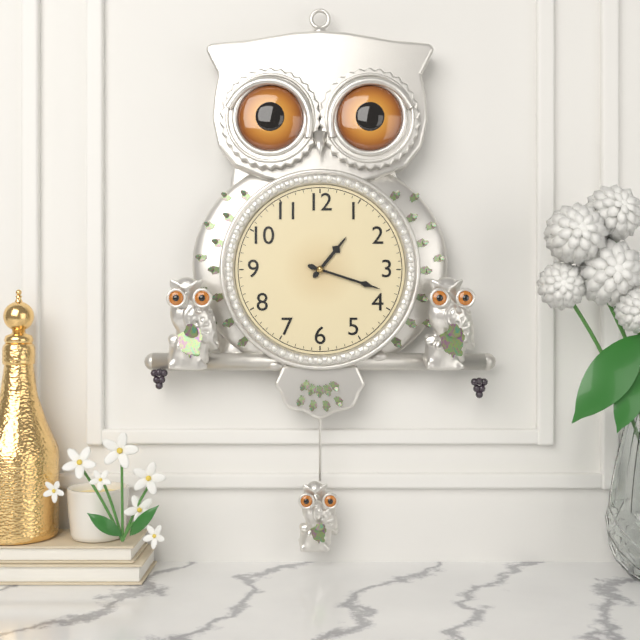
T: 1 h 18 min
